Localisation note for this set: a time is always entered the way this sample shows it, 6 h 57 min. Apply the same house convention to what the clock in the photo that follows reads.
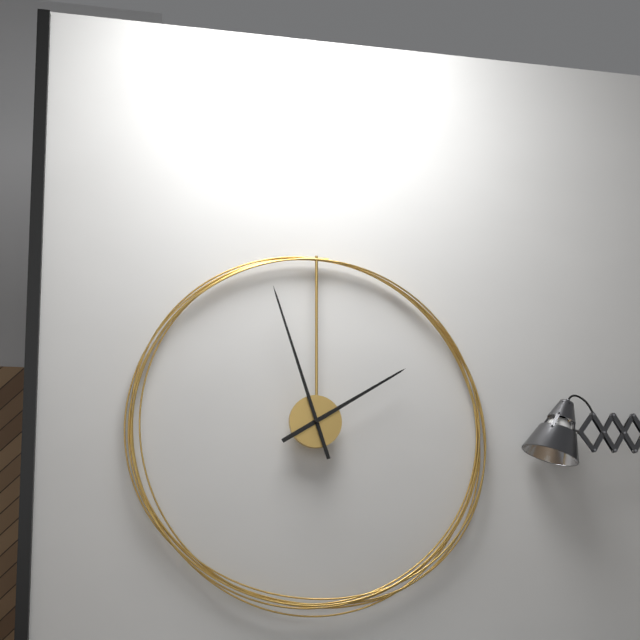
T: 1 h 57 min
